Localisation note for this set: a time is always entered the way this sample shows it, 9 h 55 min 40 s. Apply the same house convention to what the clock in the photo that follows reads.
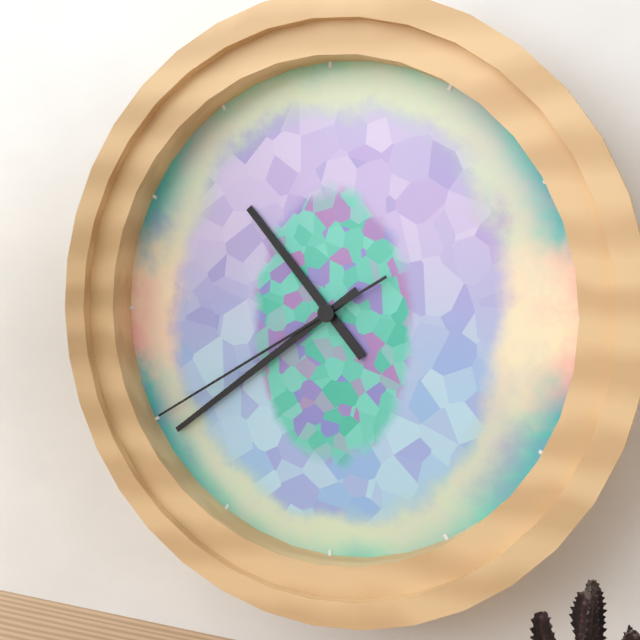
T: 10 h 39 min 40 s
